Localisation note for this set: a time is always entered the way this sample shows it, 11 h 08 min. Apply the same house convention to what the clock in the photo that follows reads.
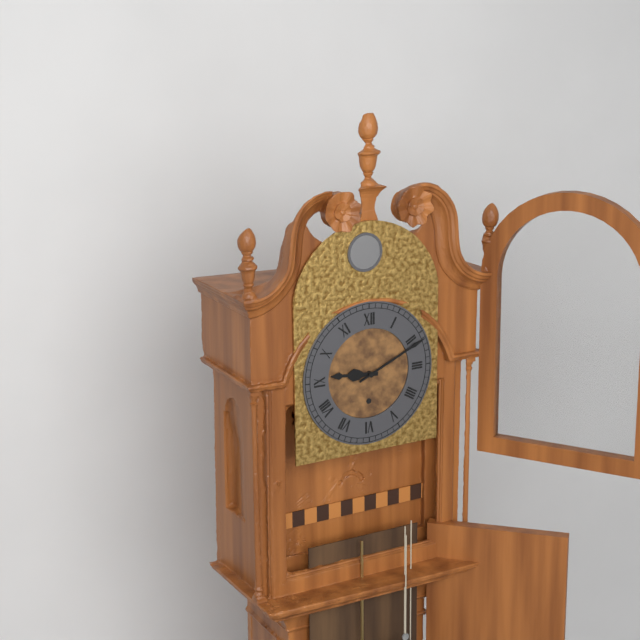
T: 9 h 11 min
